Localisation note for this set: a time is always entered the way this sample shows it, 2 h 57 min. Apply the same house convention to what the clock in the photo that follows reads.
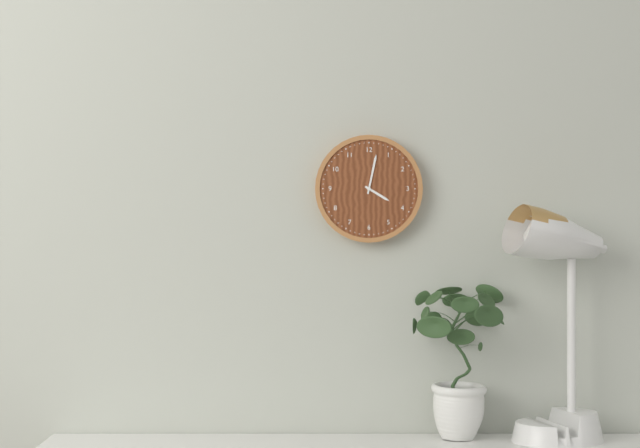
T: 4 h 02 min
